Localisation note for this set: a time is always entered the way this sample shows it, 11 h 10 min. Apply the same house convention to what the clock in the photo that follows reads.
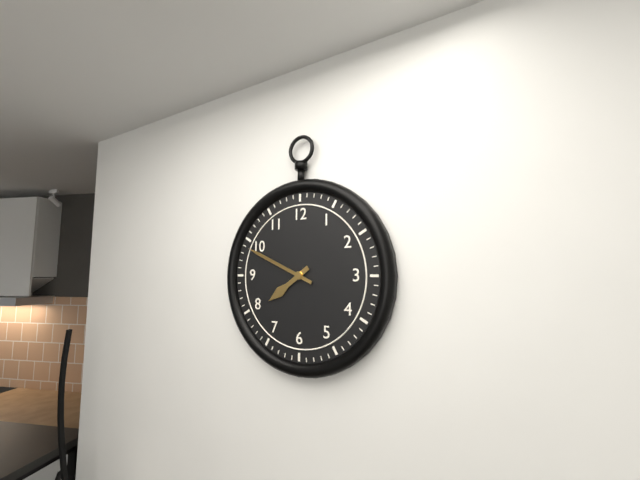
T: 7 h 49 min
